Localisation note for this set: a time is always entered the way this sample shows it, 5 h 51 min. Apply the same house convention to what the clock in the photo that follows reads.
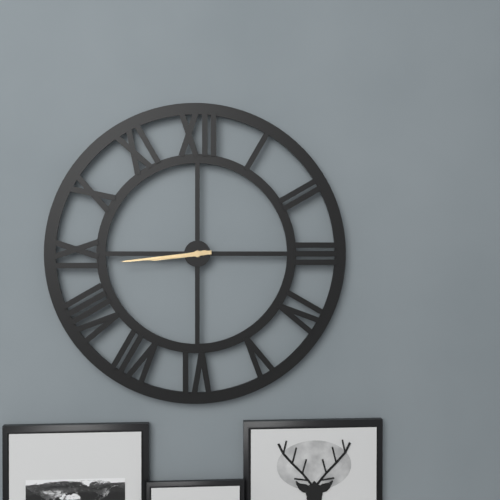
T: 8 h 44 min
